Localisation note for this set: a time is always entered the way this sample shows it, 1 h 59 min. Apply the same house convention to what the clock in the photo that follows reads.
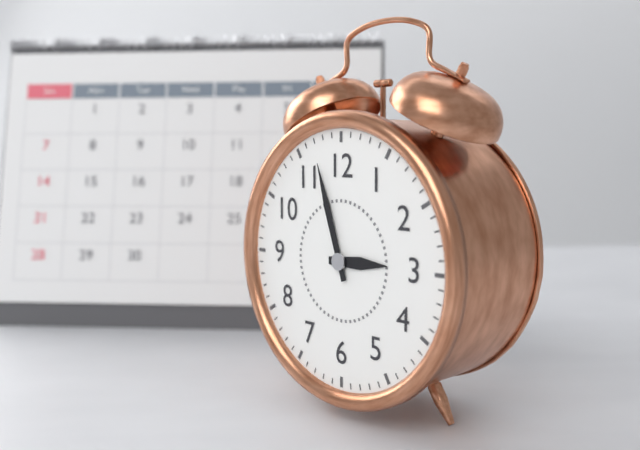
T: 2 h 57 min
